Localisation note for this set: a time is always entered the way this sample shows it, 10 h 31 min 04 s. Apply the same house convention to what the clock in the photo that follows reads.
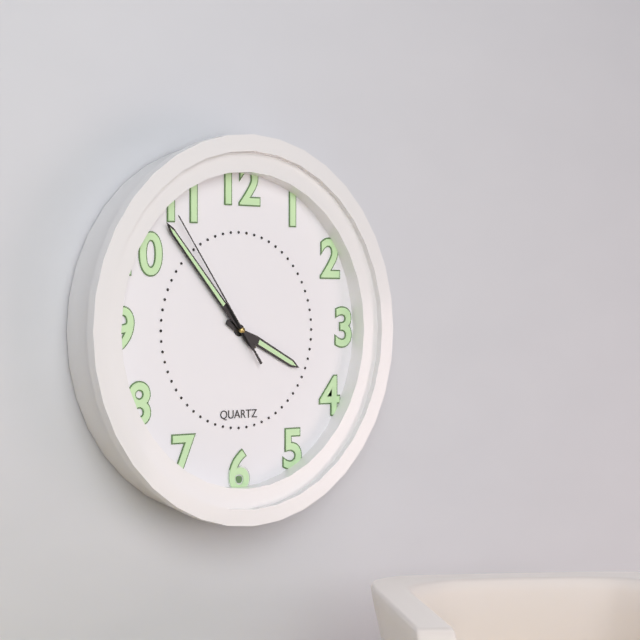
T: 3 h 53 min 54 s
